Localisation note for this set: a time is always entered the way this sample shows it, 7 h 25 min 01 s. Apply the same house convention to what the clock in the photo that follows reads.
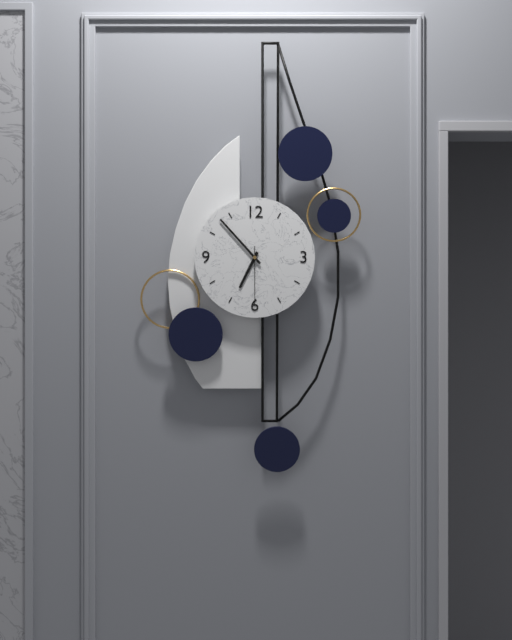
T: 6 h 53 min 30 s
